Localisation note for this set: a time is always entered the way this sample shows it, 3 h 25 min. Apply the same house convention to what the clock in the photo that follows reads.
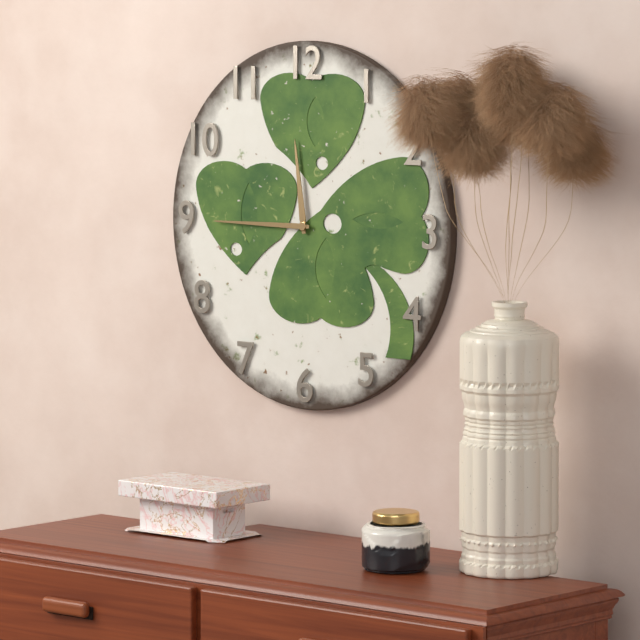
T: 11 h 45 min
